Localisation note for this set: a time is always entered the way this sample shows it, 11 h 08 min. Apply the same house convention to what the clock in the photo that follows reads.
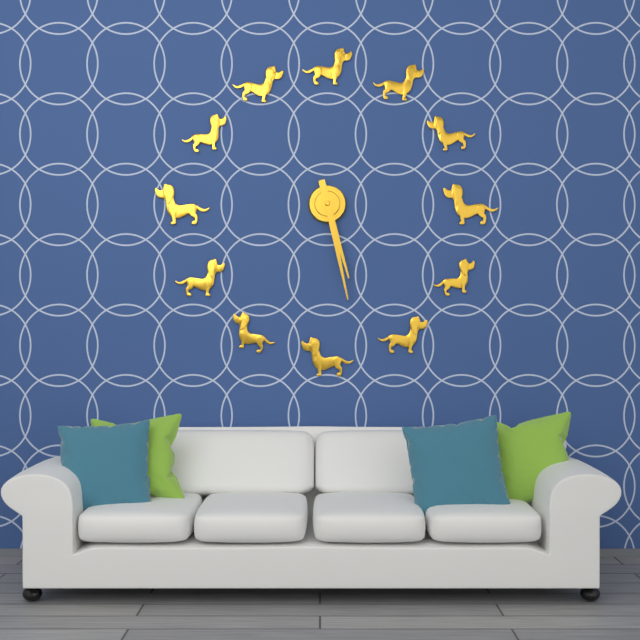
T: 5 h 28 min
